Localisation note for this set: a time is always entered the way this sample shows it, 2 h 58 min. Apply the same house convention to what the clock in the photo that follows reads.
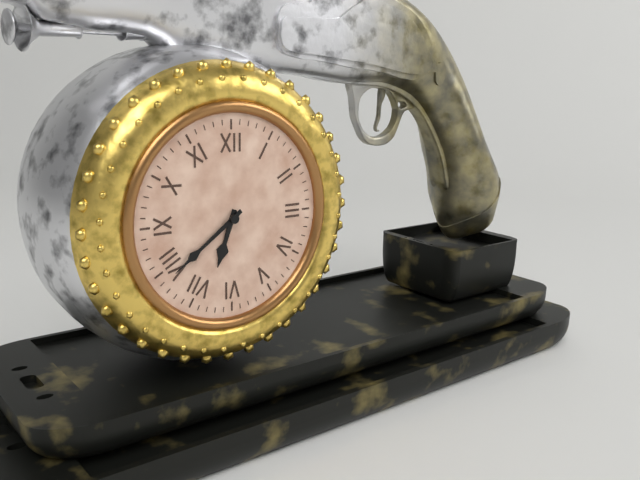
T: 6 h 39 min
